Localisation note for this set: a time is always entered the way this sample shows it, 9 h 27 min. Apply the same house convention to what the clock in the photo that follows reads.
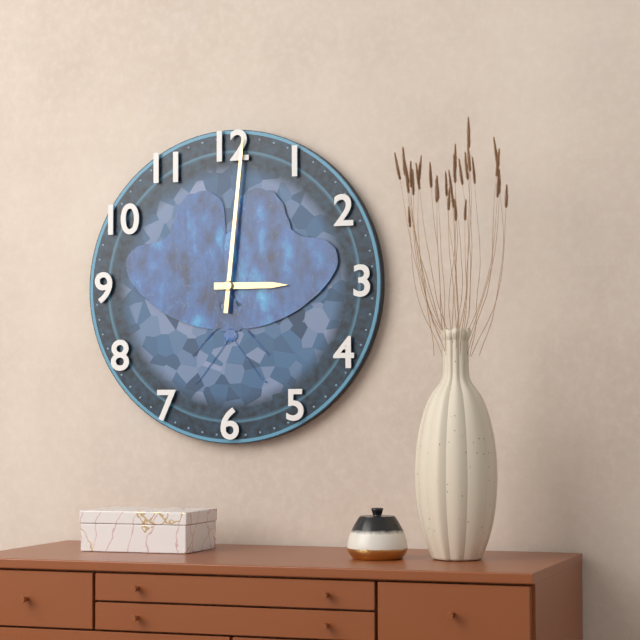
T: 3 h 01 min
